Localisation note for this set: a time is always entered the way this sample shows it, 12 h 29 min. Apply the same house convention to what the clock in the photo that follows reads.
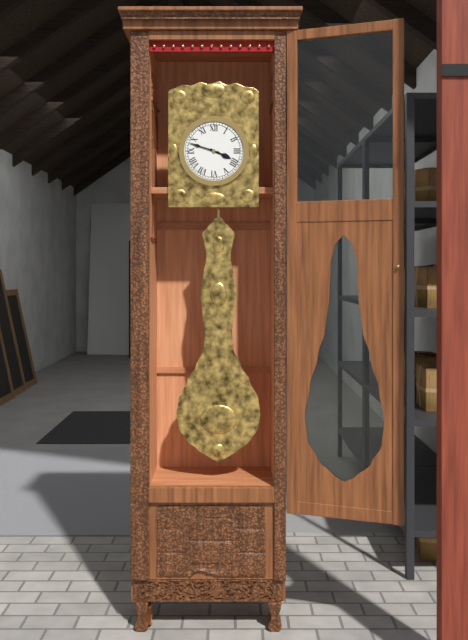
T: 3 h 48 min
